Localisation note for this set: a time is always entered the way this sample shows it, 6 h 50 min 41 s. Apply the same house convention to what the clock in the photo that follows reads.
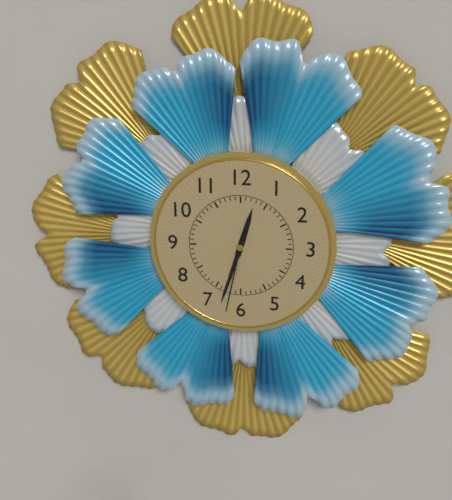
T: 12 h 33 min 32 s
